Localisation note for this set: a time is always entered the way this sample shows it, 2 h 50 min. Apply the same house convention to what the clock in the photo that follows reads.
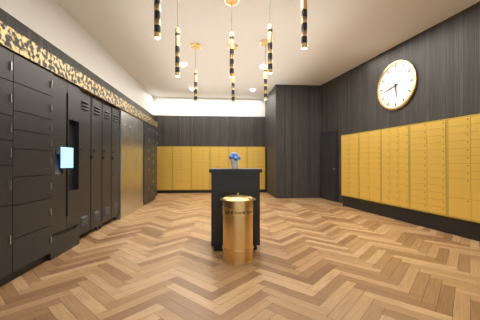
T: 5 h 43 min
